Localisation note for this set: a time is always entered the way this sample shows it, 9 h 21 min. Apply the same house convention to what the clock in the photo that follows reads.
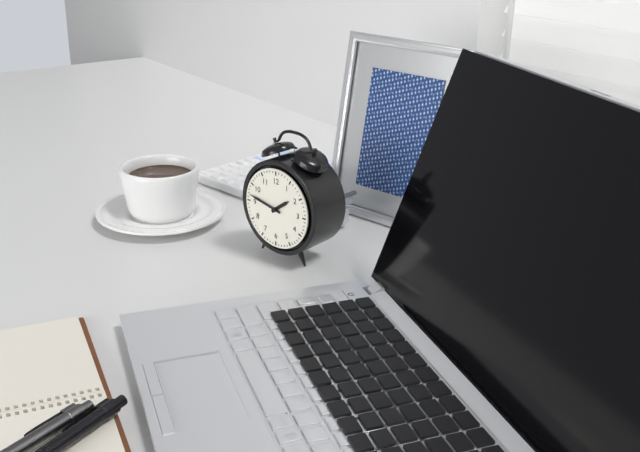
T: 1 h 47 min
